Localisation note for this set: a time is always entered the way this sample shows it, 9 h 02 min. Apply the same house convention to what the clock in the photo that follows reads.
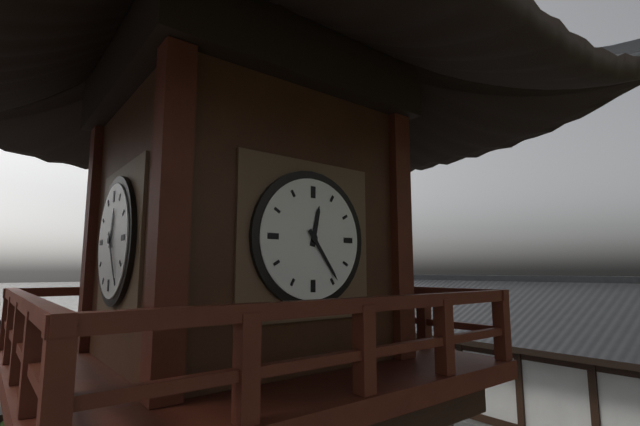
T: 12 h 24 min
